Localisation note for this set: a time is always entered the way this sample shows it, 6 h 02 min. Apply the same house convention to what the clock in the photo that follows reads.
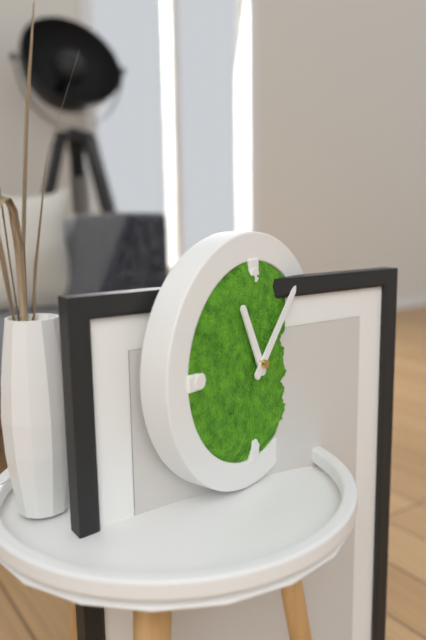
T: 11 h 07 min
